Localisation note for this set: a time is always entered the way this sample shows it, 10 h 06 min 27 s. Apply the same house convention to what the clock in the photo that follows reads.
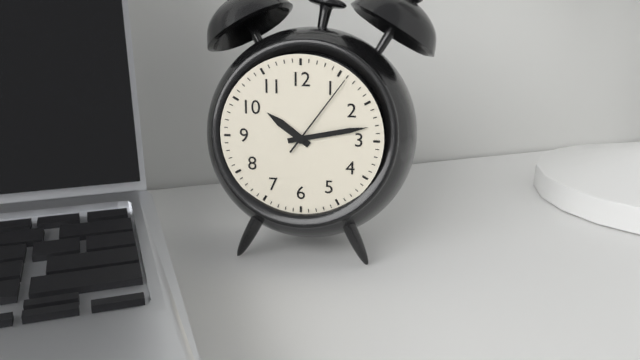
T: 10 h 13 min 06 s
